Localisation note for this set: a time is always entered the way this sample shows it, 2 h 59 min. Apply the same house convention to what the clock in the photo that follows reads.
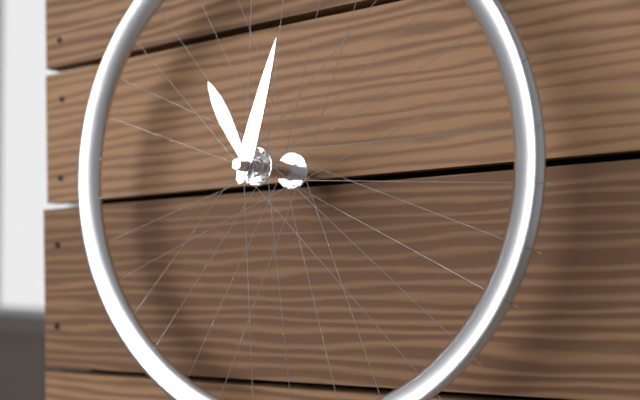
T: 11 h 03 min
